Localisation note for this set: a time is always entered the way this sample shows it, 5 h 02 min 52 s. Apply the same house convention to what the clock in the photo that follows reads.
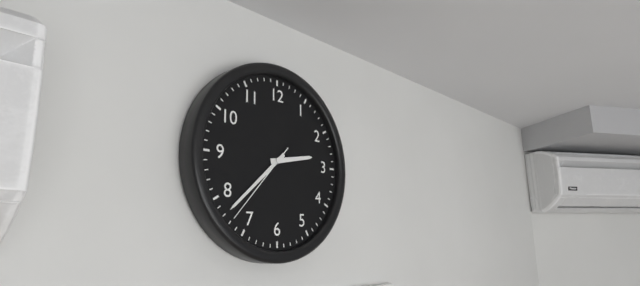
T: 2 h 38 min 37 s
